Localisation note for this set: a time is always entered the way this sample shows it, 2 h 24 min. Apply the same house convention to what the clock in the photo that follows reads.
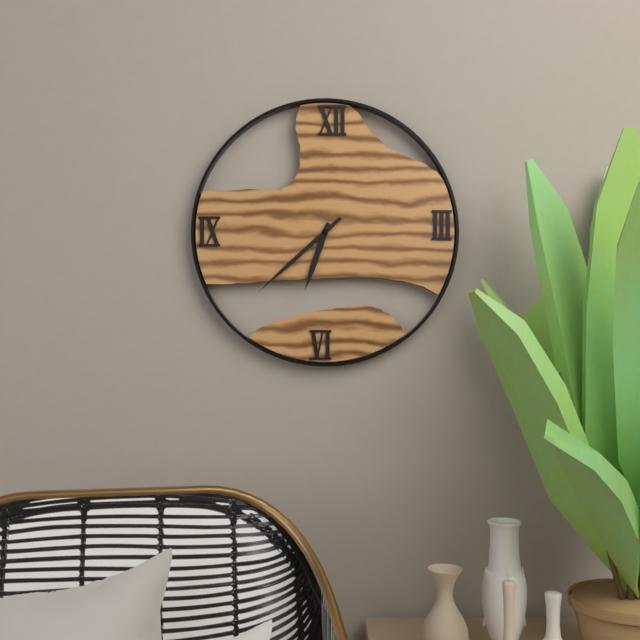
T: 6 h 38 min
